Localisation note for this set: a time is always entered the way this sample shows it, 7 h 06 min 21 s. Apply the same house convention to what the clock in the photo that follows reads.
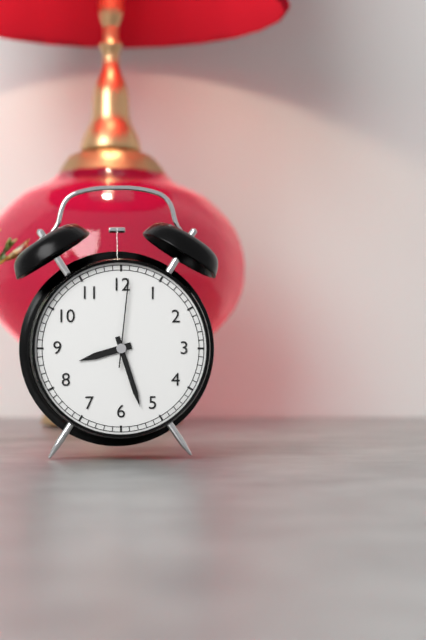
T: 8 h 27 min 01 s
